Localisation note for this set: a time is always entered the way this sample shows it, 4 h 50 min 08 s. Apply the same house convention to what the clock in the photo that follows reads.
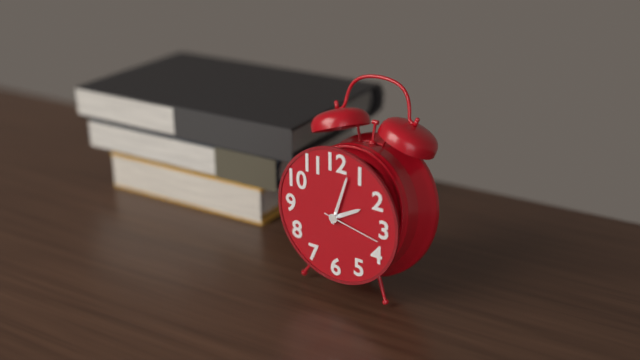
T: 2 h 03 min 17 s
